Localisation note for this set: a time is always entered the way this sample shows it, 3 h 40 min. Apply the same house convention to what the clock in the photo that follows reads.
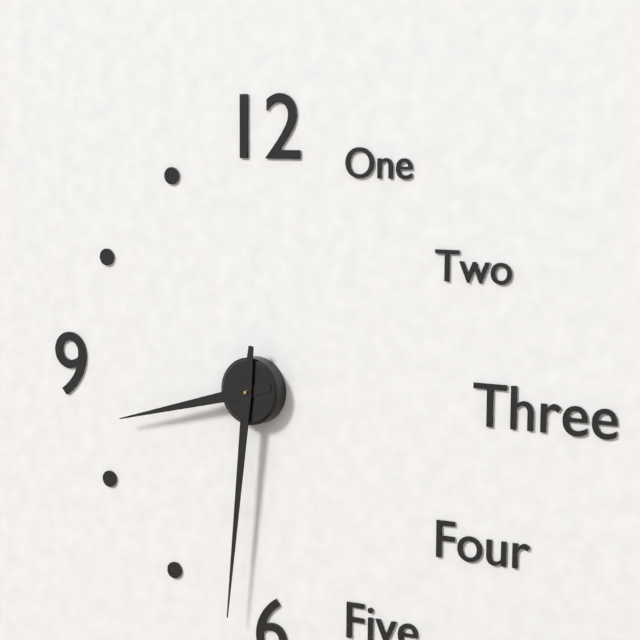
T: 8 h 31 min
